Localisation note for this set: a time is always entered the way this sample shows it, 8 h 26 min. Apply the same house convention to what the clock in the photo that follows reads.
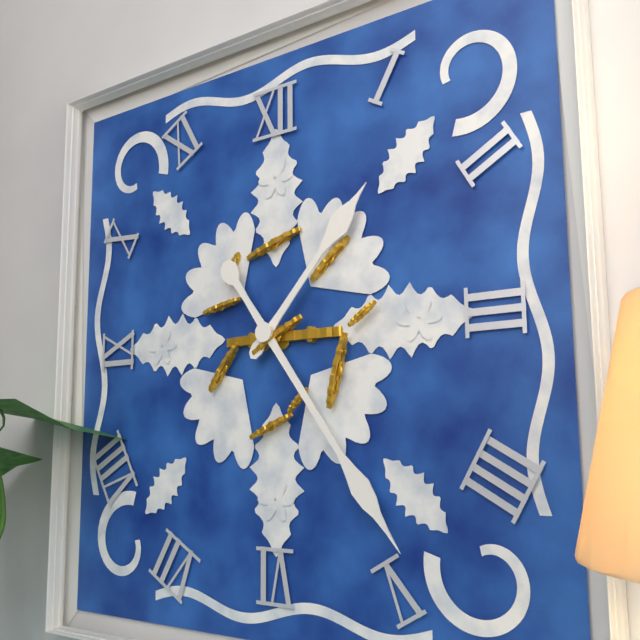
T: 1 h 24 min
